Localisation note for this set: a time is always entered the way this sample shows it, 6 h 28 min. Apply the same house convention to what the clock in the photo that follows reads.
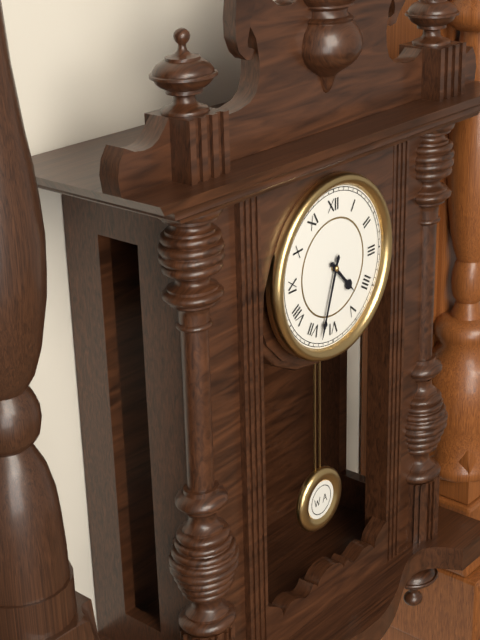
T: 4 h 33 min
